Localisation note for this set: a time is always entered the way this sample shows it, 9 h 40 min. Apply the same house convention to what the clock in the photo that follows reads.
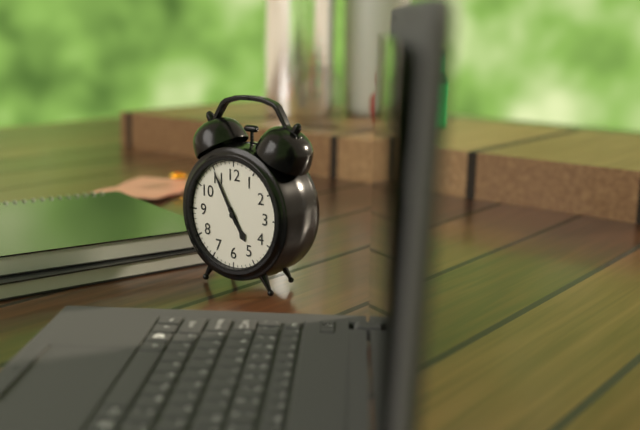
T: 4 h 55 min
